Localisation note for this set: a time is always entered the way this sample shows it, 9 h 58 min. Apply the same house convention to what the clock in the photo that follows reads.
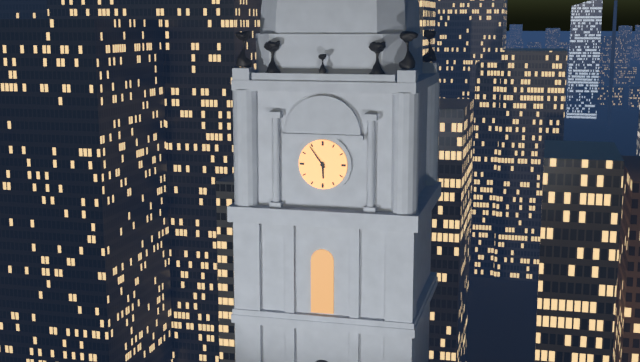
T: 5 h 54 min
